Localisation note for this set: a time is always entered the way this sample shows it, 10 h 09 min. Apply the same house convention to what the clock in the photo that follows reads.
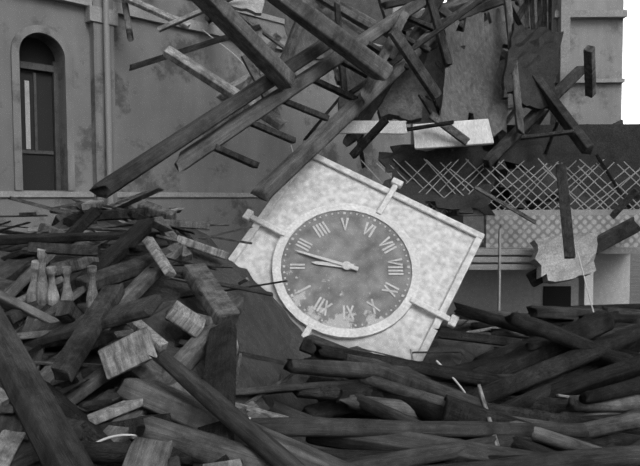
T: 2 h 13 min
